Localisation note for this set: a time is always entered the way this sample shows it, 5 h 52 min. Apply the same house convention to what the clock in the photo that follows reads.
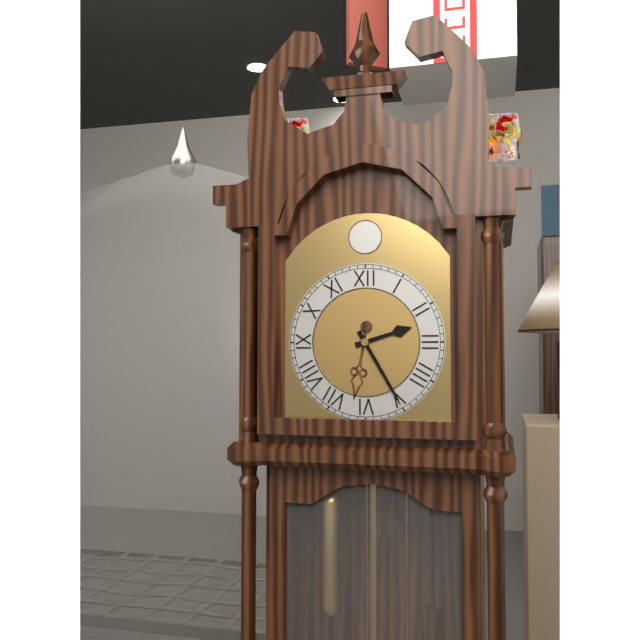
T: 2 h 25 min
